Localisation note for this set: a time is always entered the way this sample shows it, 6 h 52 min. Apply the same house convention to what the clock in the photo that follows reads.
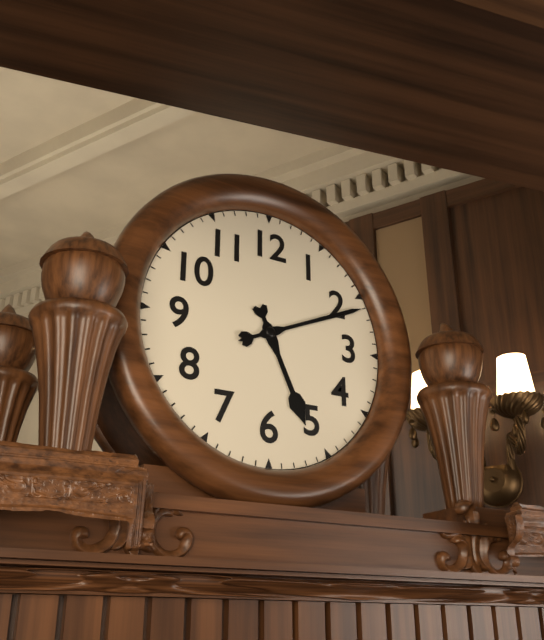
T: 5 h 11 min
